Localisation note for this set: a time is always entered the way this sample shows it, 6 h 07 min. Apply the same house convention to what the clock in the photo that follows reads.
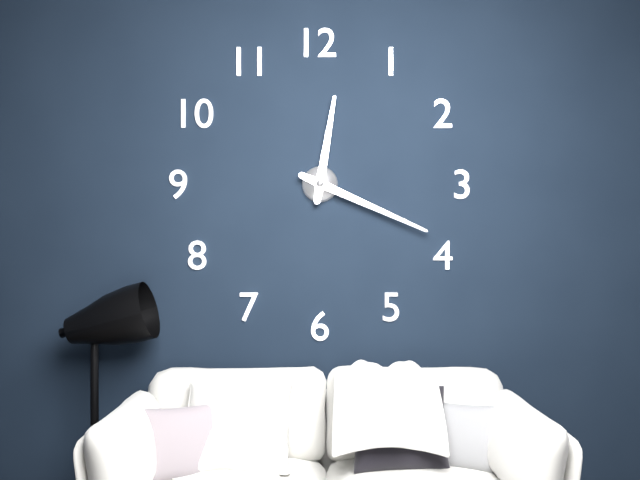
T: 12 h 19 min
